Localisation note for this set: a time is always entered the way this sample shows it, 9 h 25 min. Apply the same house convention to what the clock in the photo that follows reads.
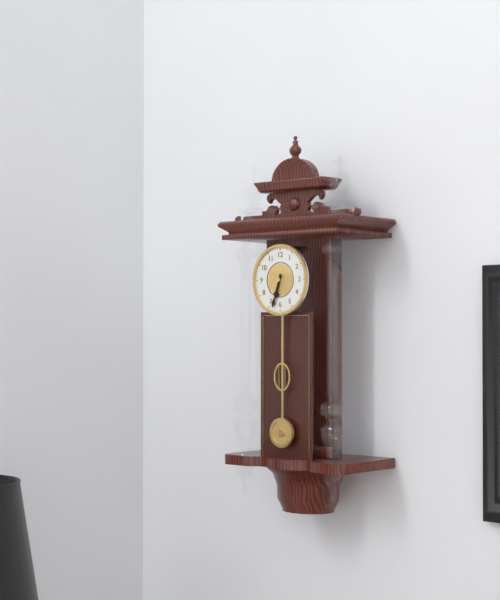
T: 6 h 33 min
